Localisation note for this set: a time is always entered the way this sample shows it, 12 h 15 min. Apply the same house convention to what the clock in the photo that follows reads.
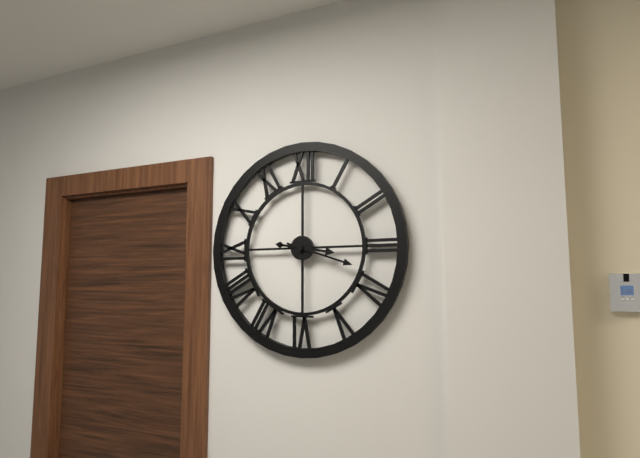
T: 3 h 18 min
